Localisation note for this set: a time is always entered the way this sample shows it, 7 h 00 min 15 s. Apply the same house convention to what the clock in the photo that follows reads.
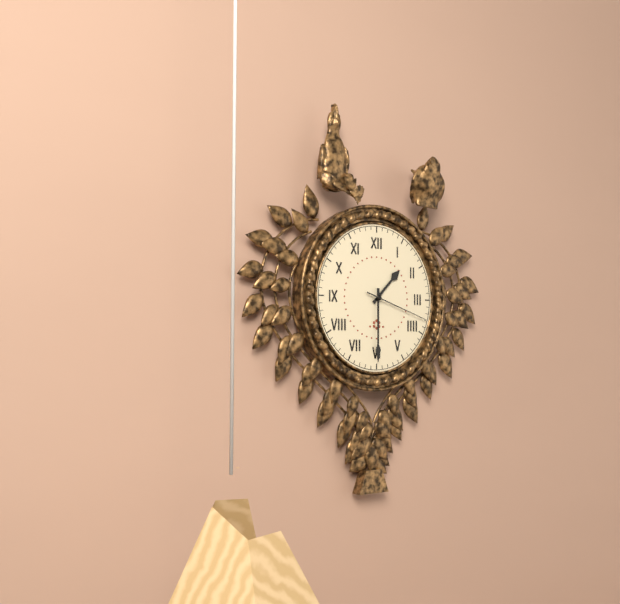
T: 1 h 30 min 18 s
